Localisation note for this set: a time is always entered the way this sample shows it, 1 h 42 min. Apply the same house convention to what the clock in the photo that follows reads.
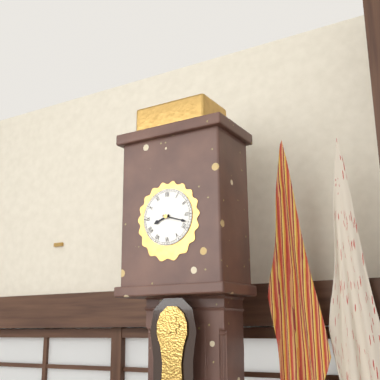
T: 8 h 18 min
